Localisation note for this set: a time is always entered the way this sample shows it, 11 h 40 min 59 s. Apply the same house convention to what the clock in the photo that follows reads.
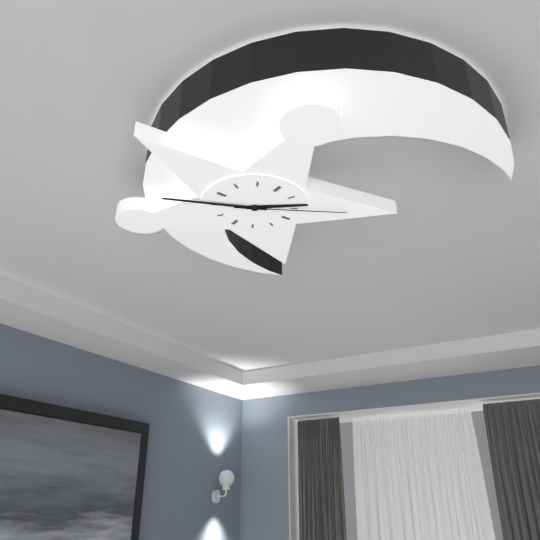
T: 1 h 41 min 10 s
